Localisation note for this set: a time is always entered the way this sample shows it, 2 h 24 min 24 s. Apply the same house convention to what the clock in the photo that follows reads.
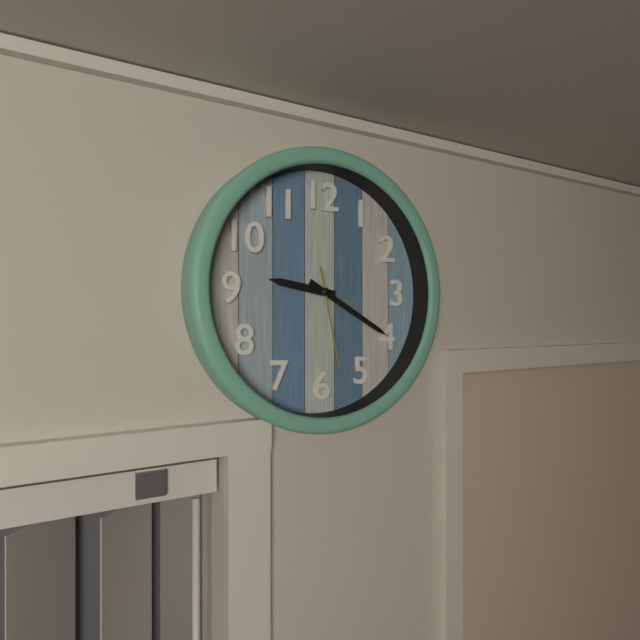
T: 9 h 20 min 28 s
